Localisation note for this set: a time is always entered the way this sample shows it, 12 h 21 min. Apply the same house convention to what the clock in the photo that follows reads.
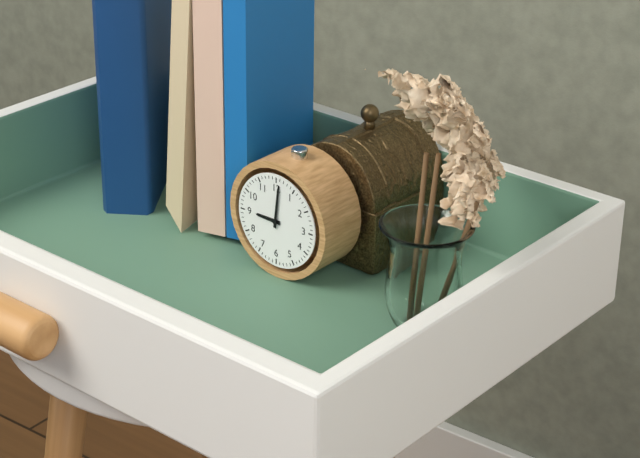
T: 9 h 01 min
